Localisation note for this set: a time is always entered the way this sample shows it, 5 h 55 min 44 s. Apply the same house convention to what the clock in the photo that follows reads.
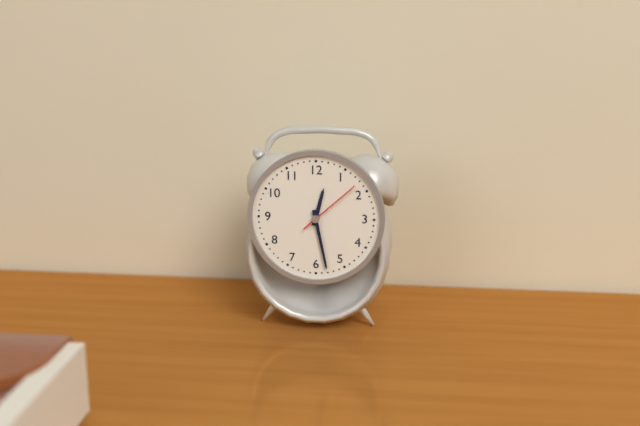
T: 12 h 28 min 08 s
